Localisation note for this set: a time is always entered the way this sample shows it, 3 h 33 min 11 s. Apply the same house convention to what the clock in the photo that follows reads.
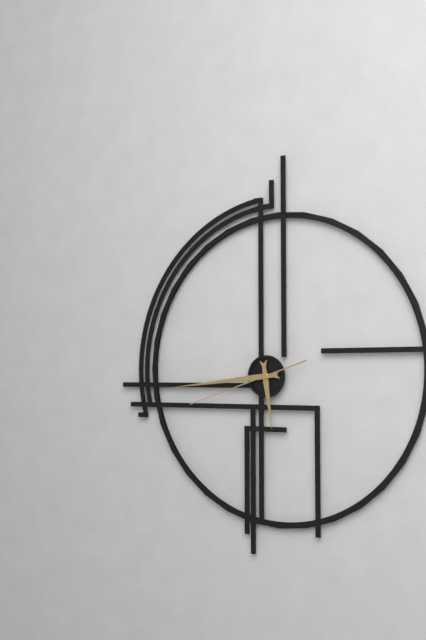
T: 5 h 44 min 42 s
